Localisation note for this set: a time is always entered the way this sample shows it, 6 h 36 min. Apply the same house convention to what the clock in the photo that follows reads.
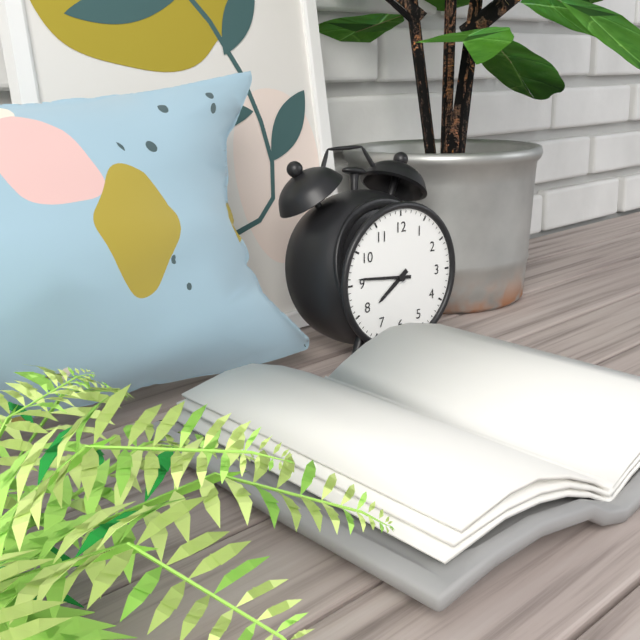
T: 7 h 46 min
